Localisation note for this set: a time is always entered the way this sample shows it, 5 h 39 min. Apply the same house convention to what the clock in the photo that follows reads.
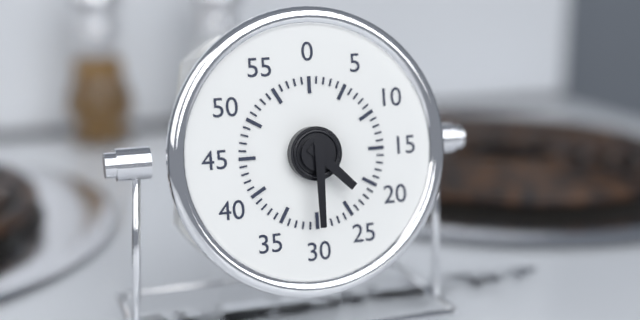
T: 4 h 30 min
